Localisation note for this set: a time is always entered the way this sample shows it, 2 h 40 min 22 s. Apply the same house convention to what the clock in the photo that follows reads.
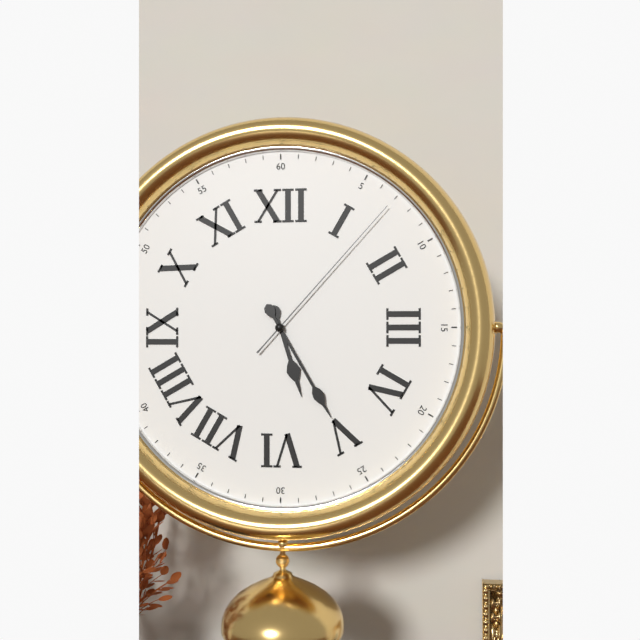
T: 5 h 25 min 07 s
